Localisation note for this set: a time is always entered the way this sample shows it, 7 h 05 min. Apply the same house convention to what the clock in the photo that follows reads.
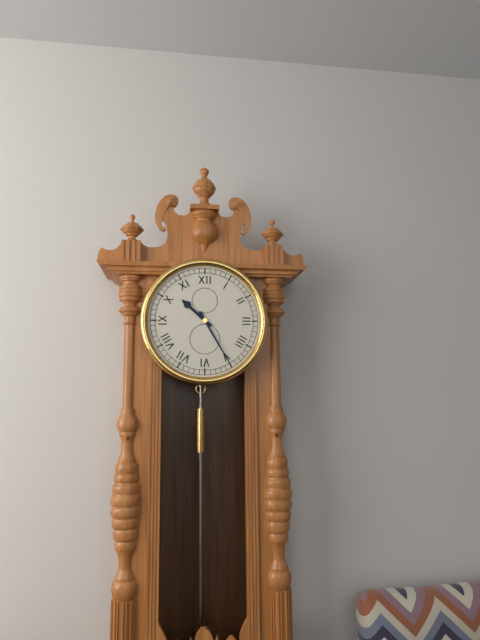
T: 10 h 25 min
